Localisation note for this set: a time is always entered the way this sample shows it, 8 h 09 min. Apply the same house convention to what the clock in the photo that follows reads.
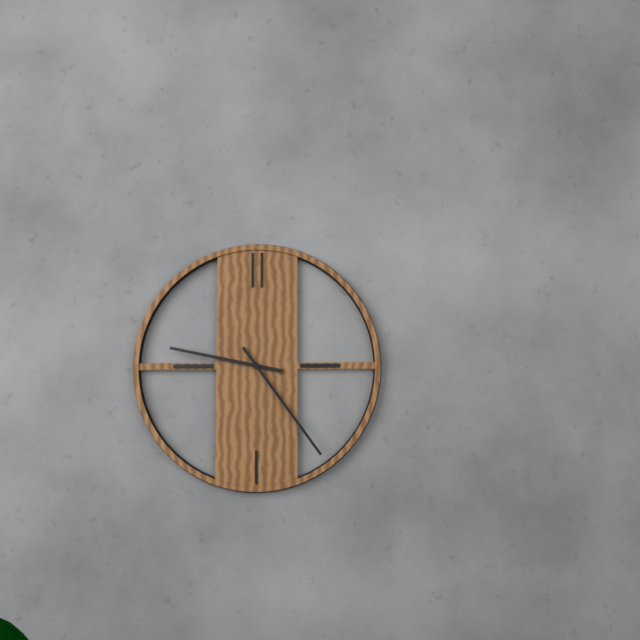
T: 9 h 24 min
